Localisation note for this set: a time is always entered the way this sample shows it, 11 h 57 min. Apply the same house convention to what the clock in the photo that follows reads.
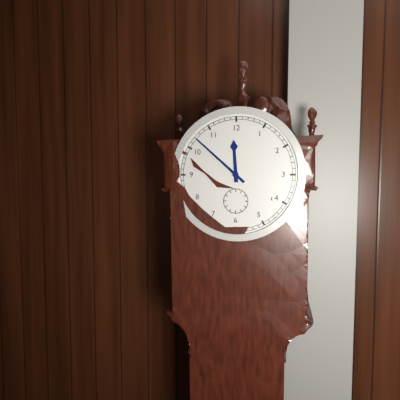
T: 11 h 52 min
